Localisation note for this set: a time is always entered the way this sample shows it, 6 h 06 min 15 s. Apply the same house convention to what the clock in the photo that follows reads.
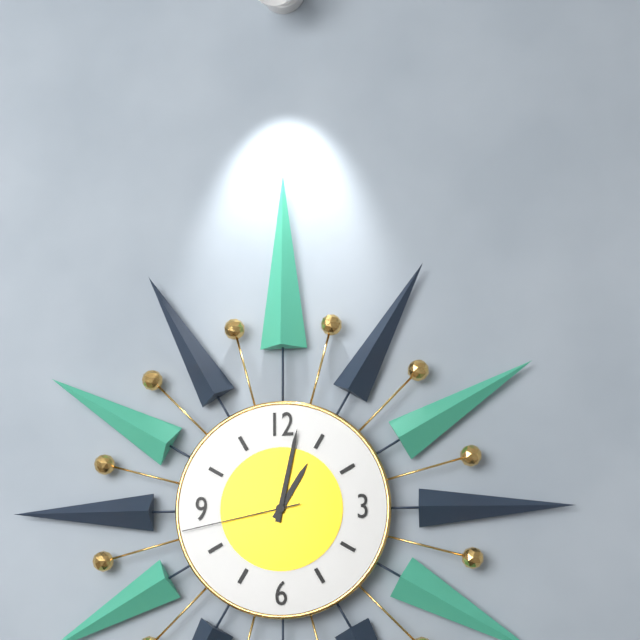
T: 1 h 02 min 43 s
